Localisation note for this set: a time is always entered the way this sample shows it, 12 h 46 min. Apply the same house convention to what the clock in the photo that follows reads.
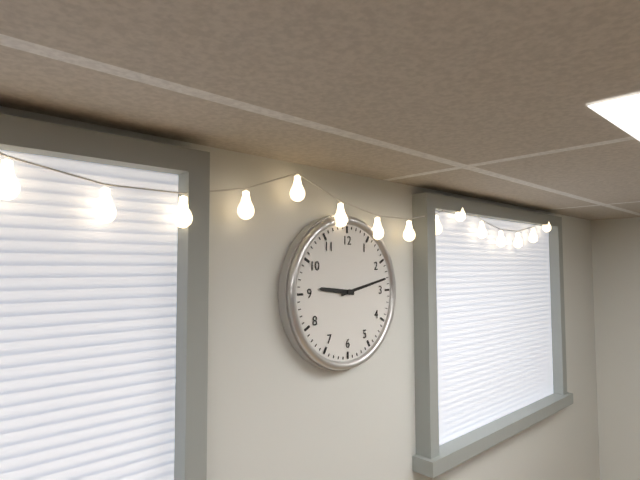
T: 9 h 13 min
